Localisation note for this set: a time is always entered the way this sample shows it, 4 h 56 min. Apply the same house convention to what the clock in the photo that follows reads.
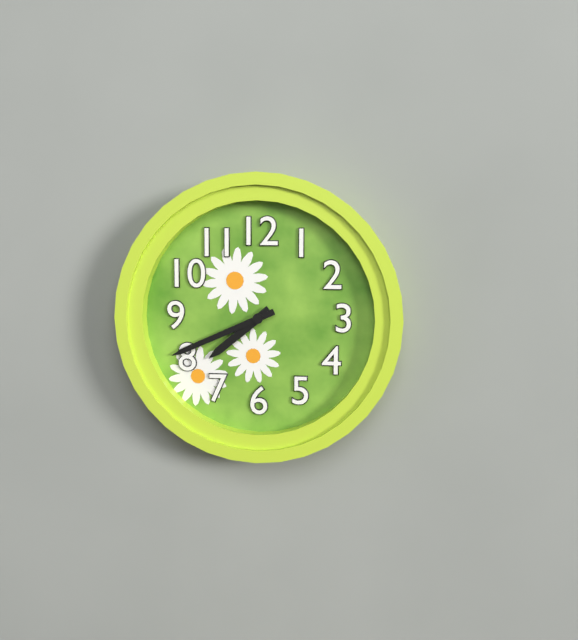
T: 7 h 41 min
